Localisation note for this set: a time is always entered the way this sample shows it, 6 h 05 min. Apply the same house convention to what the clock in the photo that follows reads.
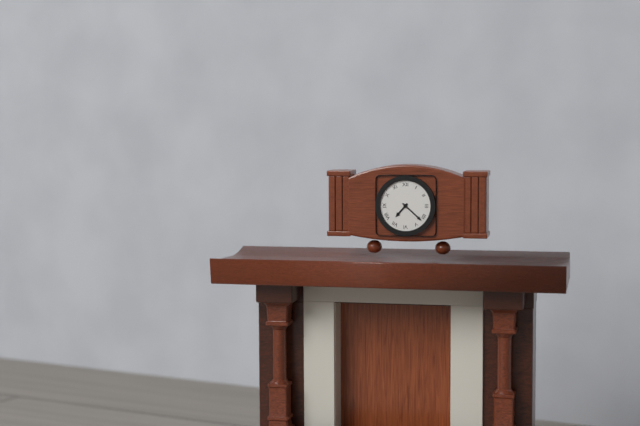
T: 7 h 22 min
